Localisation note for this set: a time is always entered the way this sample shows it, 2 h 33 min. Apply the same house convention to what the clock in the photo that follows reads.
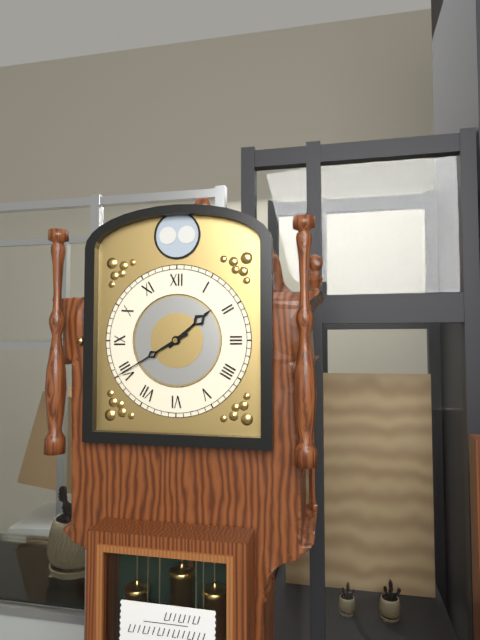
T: 1 h 40 min
